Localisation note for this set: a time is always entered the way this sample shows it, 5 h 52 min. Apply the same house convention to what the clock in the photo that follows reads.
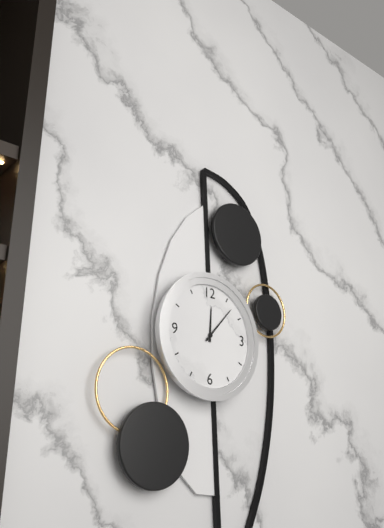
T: 12 h 07 min
